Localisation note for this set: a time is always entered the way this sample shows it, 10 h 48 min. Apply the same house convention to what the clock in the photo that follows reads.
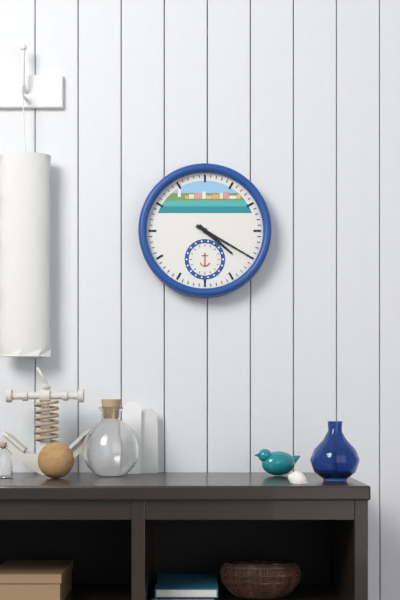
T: 4 h 20 min
